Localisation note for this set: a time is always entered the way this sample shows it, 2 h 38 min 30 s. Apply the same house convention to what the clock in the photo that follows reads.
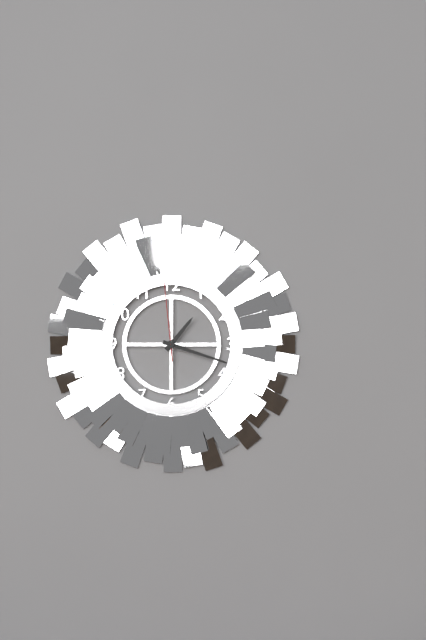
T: 1 h 18 min 59 s
